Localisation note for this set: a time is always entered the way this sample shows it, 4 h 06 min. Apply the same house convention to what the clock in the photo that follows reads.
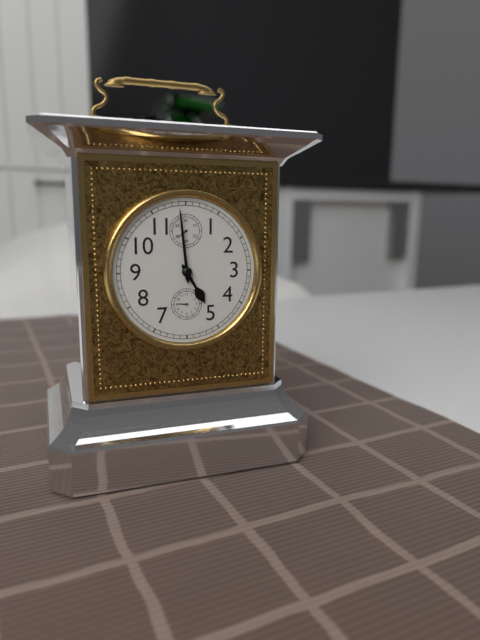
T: 4 h 59 min
